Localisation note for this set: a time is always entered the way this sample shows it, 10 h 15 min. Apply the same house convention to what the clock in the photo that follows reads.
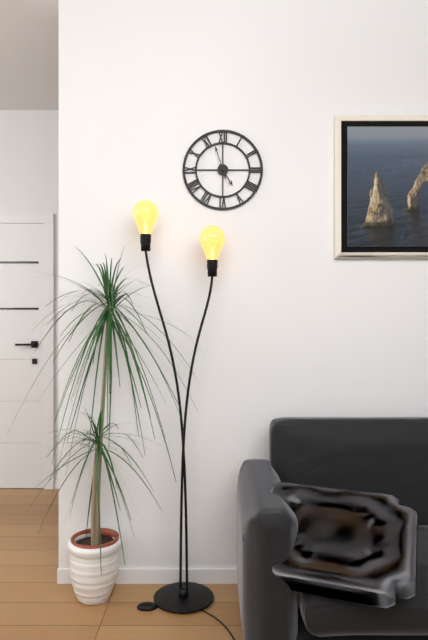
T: 4 h 57 min
